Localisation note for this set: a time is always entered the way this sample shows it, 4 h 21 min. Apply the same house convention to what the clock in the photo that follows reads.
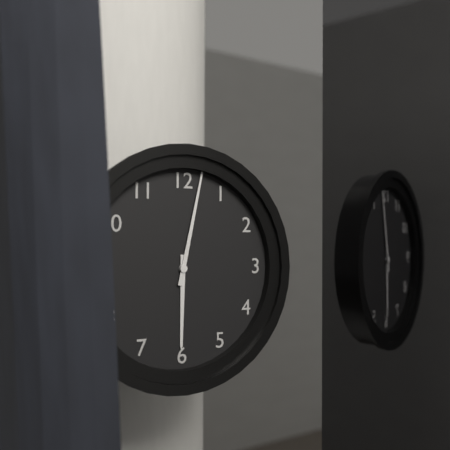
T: 6 h 02 min
